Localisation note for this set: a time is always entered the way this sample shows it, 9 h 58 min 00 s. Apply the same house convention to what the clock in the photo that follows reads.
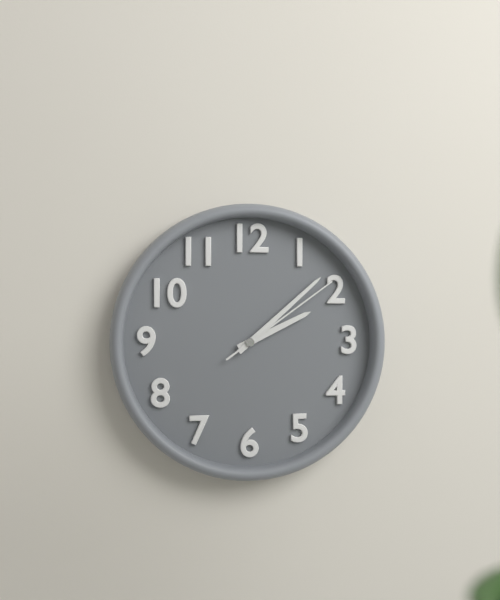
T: 2 h 08 min 09 s
